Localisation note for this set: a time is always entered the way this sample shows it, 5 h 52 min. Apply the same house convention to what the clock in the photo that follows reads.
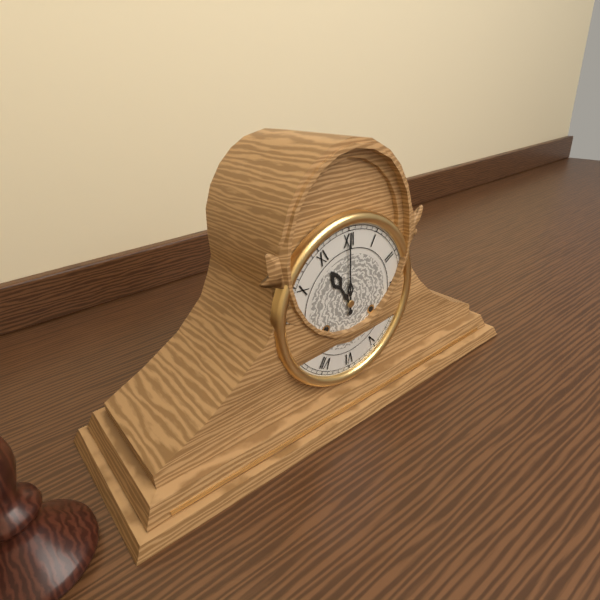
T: 11 h 00 min
